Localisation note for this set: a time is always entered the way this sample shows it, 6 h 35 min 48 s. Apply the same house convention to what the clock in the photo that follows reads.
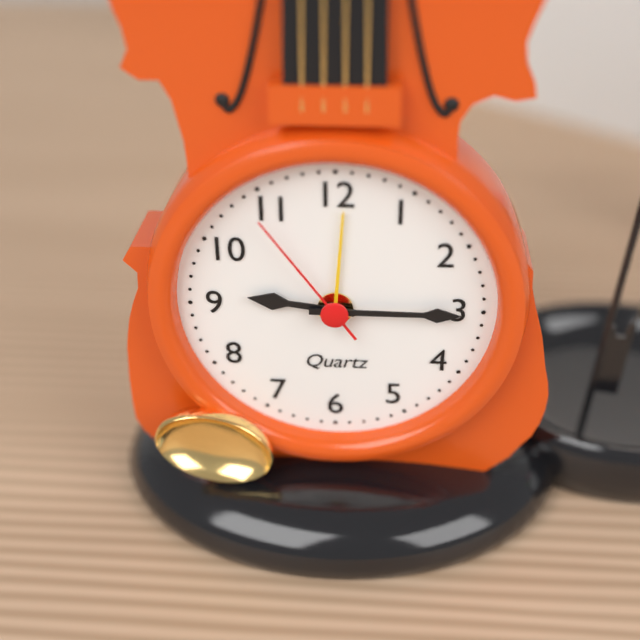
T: 9 h 15 min 54 s
